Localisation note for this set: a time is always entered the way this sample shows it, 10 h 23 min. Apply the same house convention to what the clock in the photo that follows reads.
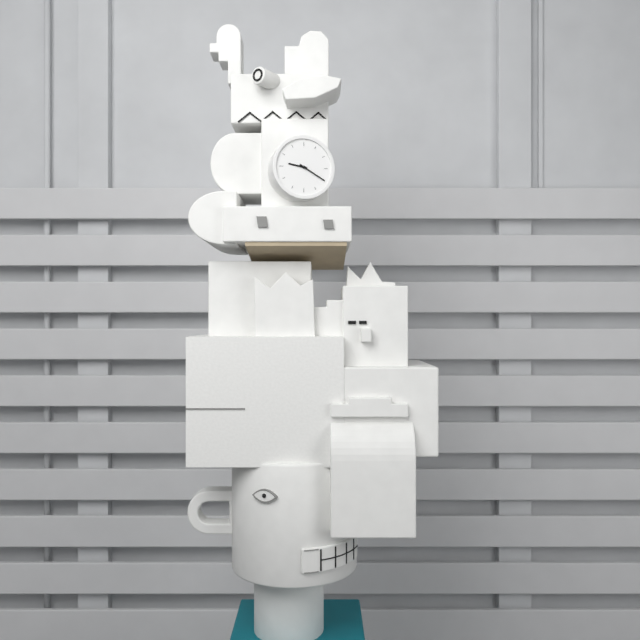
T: 9 h 20 min
